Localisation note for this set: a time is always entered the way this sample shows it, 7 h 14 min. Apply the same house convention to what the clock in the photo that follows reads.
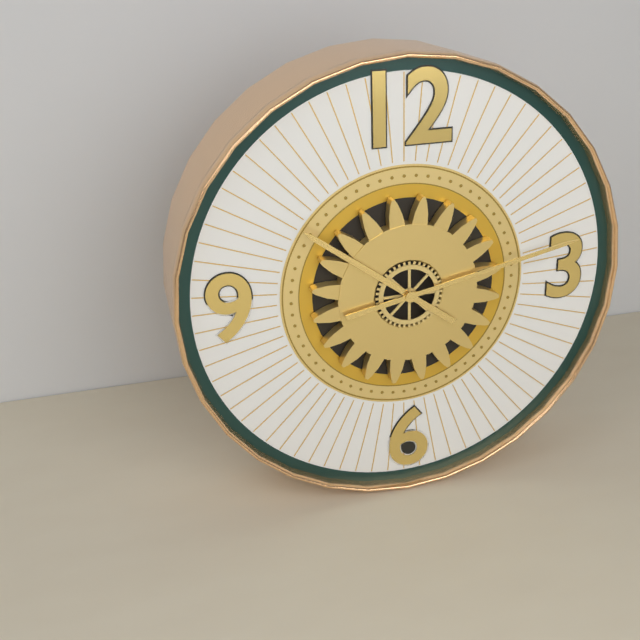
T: 10 h 13 min
